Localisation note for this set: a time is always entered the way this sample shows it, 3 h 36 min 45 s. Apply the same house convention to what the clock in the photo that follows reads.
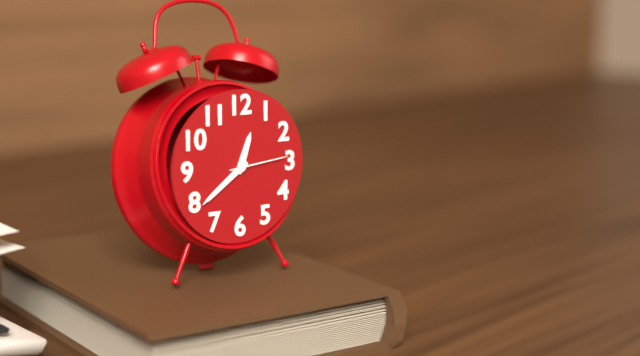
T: 12 h 39 min 14 s
